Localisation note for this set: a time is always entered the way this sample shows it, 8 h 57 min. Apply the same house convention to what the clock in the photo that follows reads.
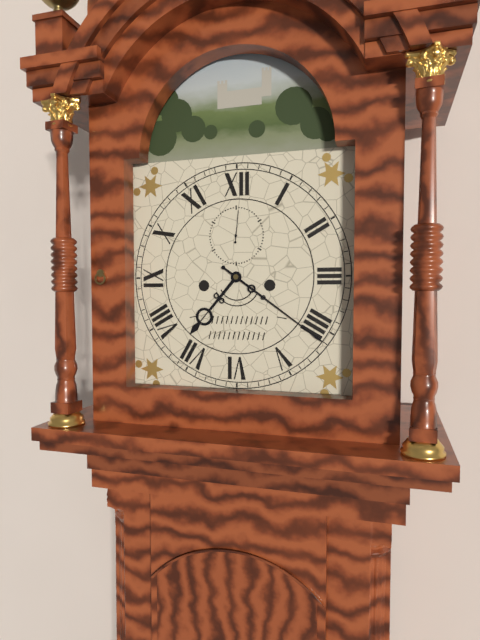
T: 7 h 21 min
